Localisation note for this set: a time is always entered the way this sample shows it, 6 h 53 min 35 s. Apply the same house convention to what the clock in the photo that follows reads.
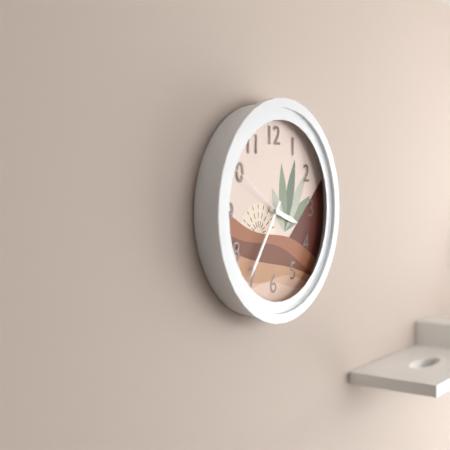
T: 3 h 36 min 50 s
